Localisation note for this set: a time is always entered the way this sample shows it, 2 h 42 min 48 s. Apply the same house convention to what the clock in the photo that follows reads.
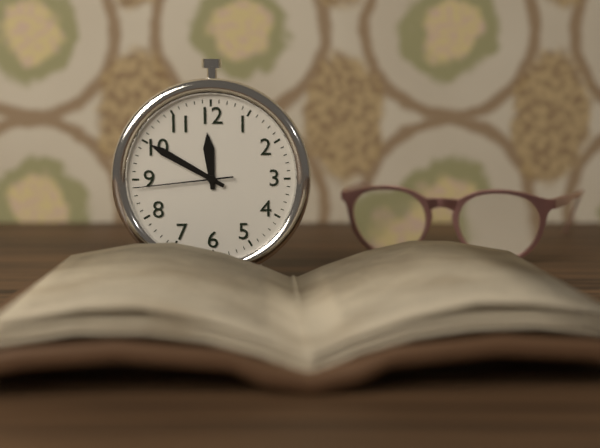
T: 11 h 50 min 44 s
